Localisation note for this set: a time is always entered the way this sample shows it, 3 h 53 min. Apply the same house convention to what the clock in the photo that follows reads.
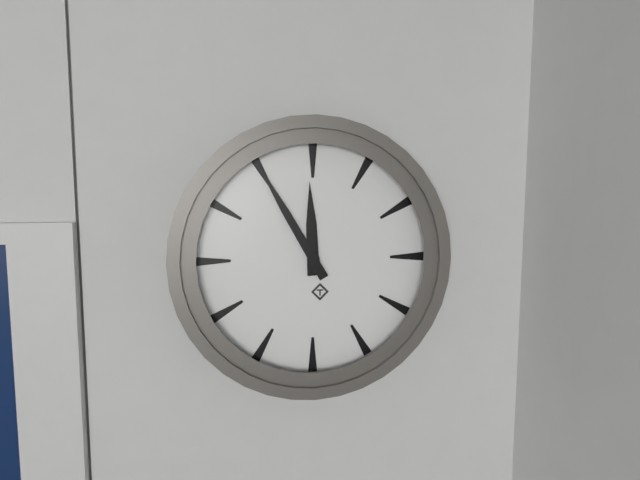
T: 11 h 55 min
